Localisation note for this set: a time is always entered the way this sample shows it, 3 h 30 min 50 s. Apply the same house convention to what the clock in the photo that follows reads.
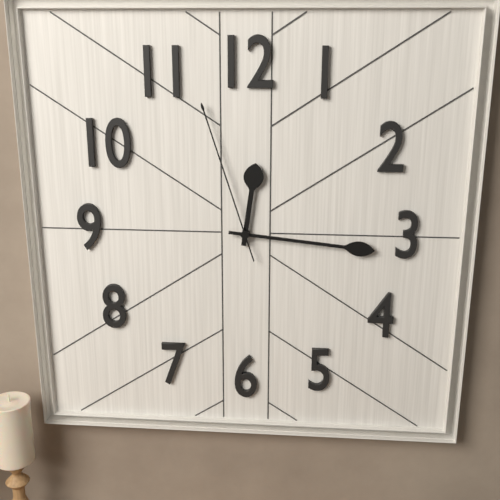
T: 12 h 16 min 57 s
